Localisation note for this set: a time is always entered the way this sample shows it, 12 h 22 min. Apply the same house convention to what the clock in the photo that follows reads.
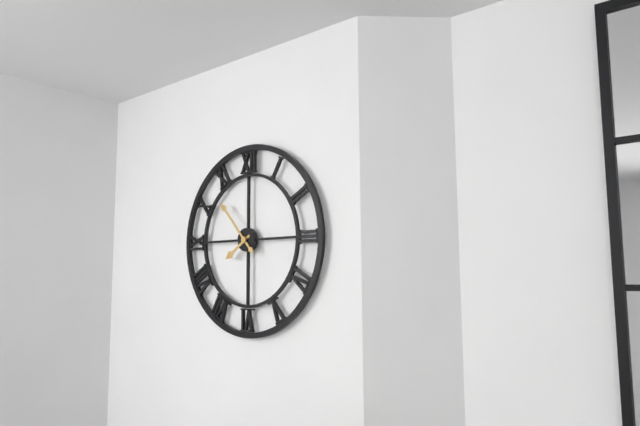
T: 7 h 53 min
